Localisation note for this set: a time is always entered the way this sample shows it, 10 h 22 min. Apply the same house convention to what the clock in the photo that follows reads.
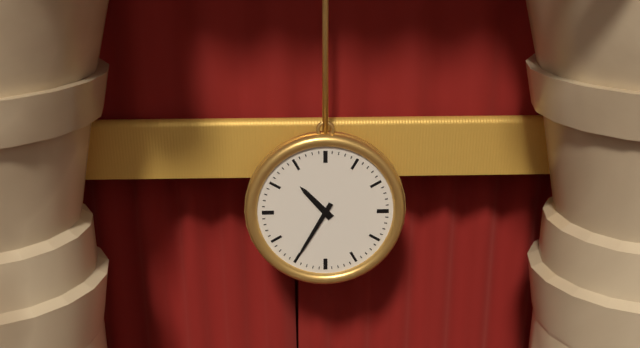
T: 10 h 35 min
